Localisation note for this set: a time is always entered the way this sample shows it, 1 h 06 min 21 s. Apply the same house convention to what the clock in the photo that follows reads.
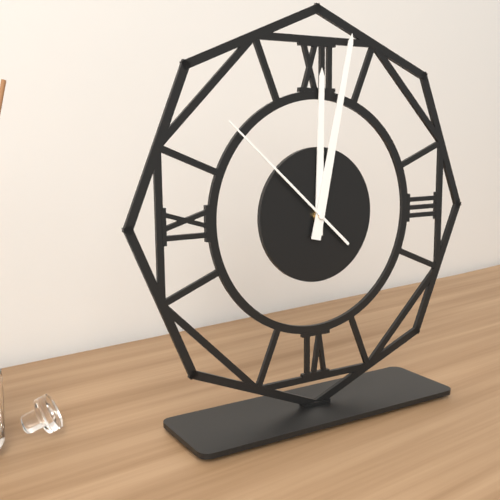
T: 12 h 02 min 52 s
